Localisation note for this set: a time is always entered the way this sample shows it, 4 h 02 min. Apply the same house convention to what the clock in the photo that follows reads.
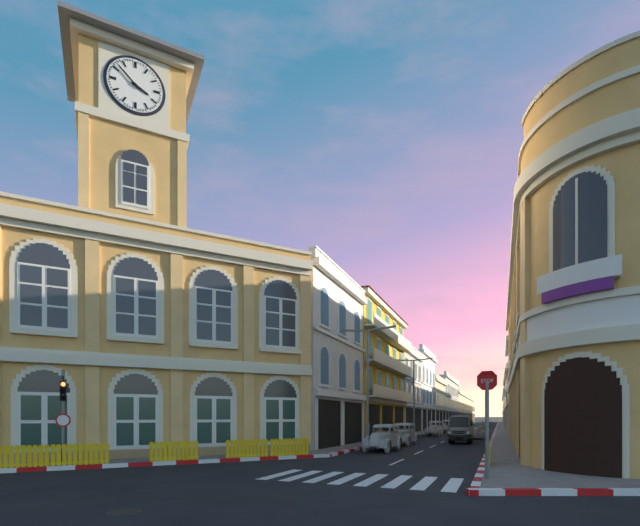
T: 3 h 52 min
